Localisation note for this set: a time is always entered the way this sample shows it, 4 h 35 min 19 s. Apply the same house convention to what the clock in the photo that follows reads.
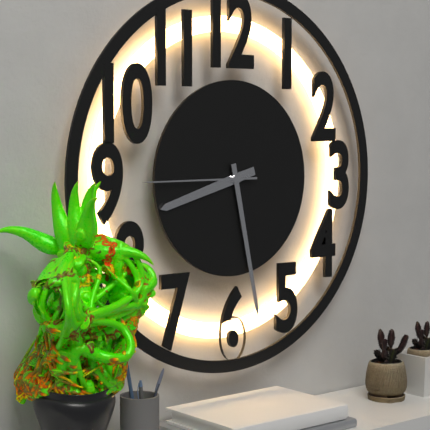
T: 8 h 28 min 45 s
